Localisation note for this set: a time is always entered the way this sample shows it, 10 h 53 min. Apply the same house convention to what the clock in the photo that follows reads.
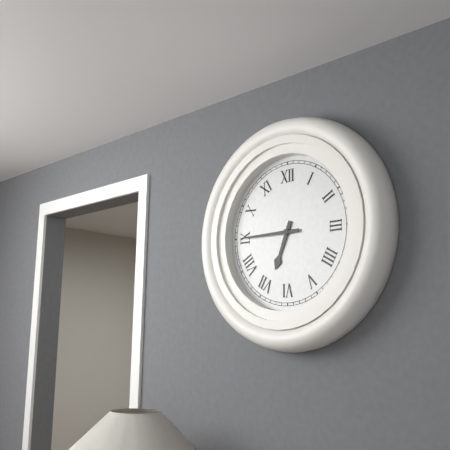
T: 6 h 45 min
